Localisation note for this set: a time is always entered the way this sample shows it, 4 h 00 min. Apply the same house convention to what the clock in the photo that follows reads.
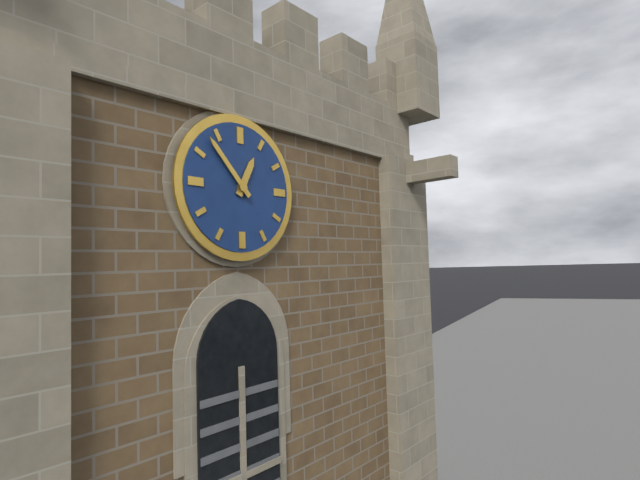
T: 12 h 53 min
